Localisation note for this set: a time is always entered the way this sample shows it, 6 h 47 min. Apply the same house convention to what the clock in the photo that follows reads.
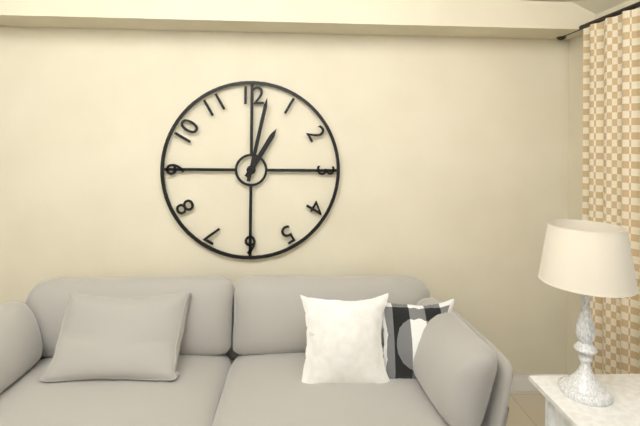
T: 1 h 02 min
